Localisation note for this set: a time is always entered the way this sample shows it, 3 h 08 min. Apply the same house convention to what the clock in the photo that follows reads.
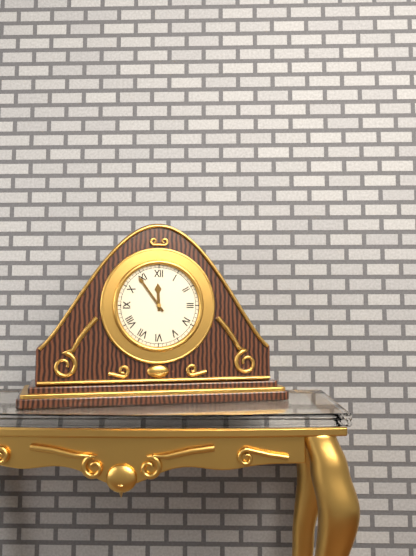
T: 11 h 54 min
